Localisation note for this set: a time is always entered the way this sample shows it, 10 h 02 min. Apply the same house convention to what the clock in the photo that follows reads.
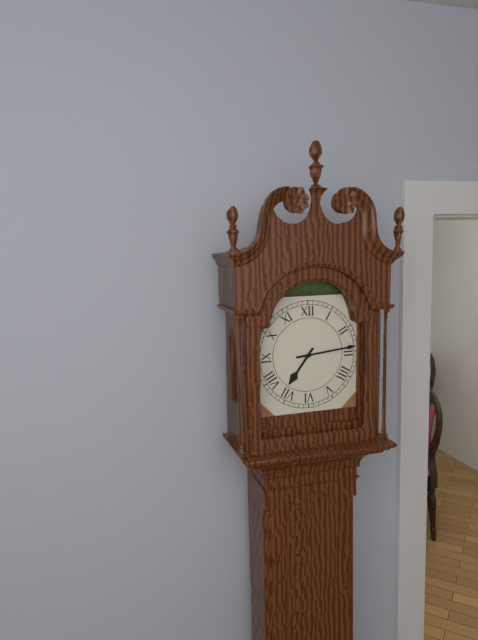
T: 7 h 14 min
